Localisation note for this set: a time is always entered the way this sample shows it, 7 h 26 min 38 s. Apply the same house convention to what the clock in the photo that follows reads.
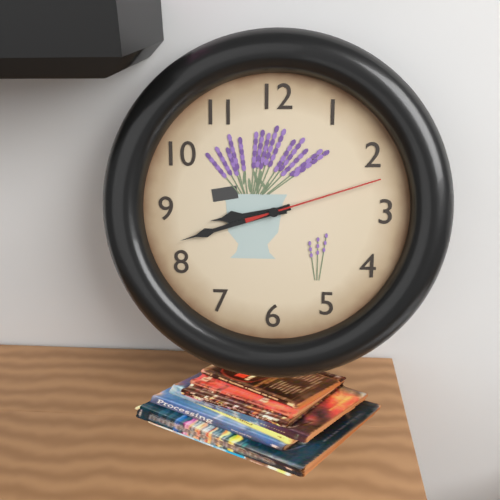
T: 8 h 42 min 12 s
